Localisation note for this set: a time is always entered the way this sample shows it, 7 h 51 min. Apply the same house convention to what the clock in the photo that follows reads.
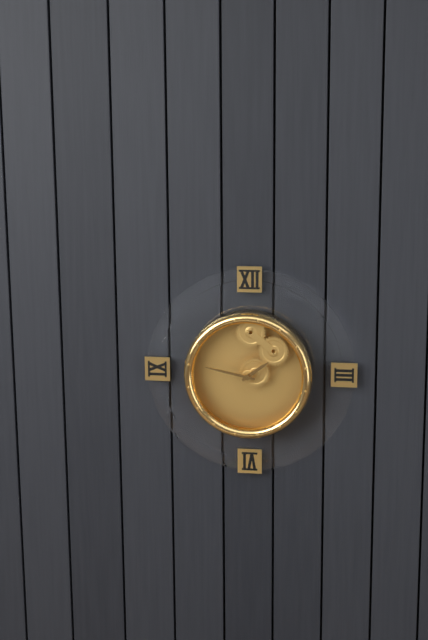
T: 1 h 47 min
